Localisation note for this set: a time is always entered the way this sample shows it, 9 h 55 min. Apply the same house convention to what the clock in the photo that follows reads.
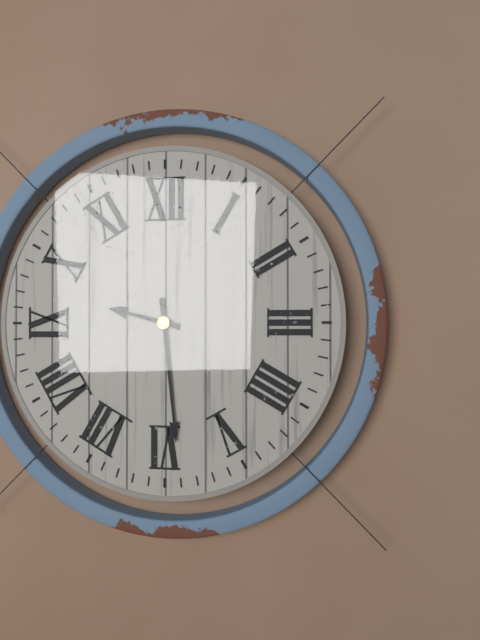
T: 9 h 29 min
